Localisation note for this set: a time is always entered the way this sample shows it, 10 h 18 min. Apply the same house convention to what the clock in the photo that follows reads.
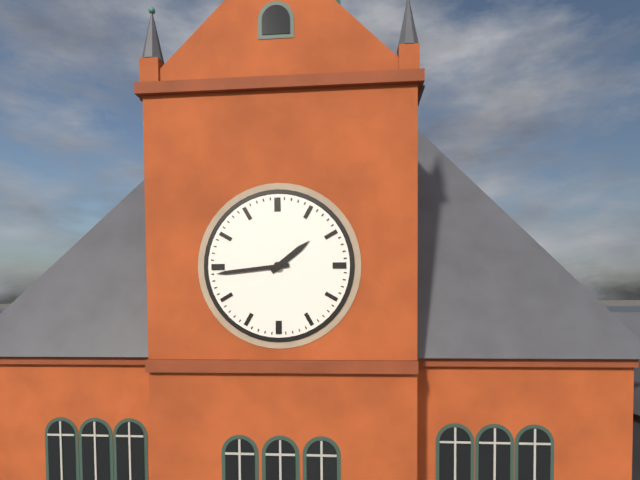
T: 1 h 44 min
